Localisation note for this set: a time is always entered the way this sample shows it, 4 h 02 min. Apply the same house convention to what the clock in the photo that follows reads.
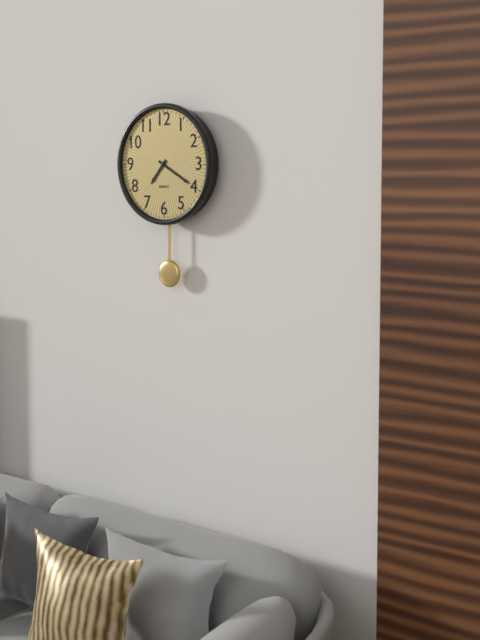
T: 7 h 20 min
